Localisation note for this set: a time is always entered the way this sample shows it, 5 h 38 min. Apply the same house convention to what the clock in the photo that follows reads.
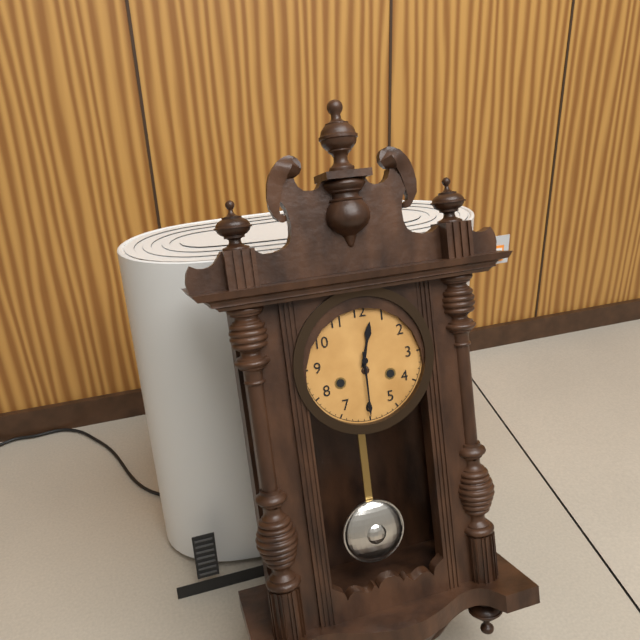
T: 12 h 30 min
